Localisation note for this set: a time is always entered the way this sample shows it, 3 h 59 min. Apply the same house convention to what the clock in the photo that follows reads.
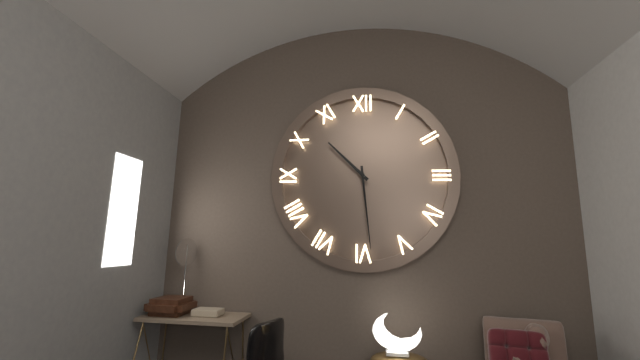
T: 10 h 29 min
